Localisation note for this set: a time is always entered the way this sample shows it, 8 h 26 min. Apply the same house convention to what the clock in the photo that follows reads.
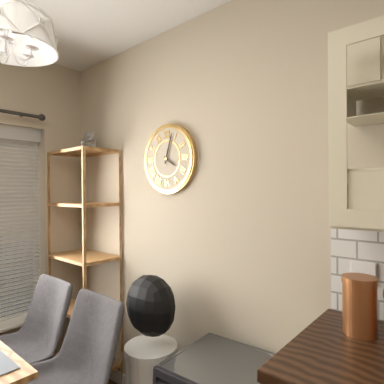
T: 4 h 03 min
